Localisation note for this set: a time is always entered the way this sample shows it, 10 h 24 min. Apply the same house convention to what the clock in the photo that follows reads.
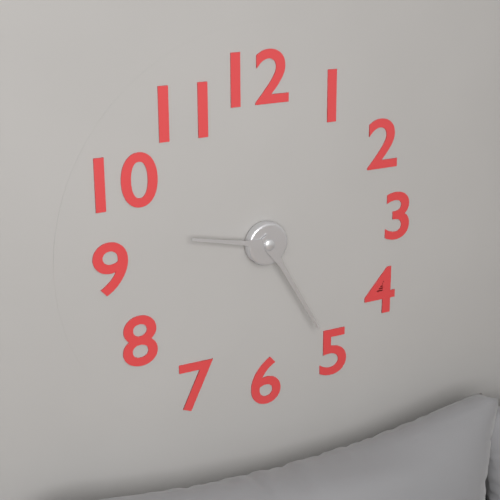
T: 9 h 25 min
